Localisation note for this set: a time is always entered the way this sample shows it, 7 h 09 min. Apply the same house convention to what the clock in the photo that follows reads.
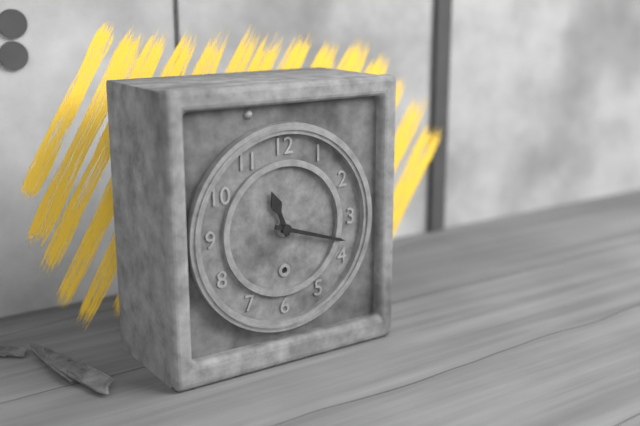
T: 11 h 18 min
